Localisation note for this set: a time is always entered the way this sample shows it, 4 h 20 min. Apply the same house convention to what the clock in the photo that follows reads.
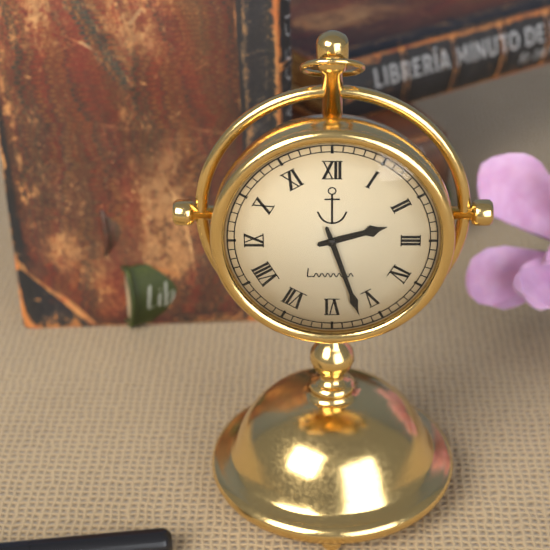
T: 2 h 27 min
